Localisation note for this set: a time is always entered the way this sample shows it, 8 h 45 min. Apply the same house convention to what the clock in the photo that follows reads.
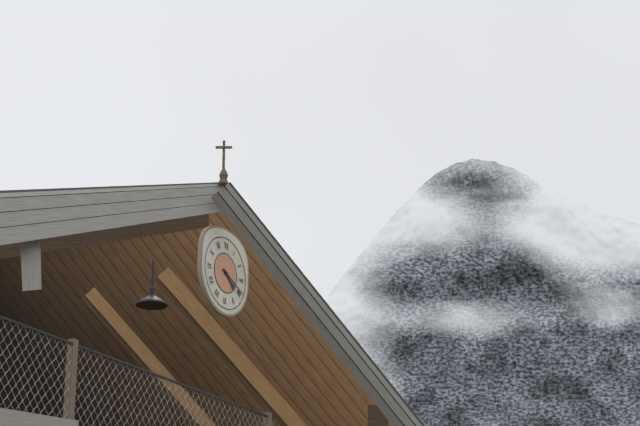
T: 4 h 19 min
